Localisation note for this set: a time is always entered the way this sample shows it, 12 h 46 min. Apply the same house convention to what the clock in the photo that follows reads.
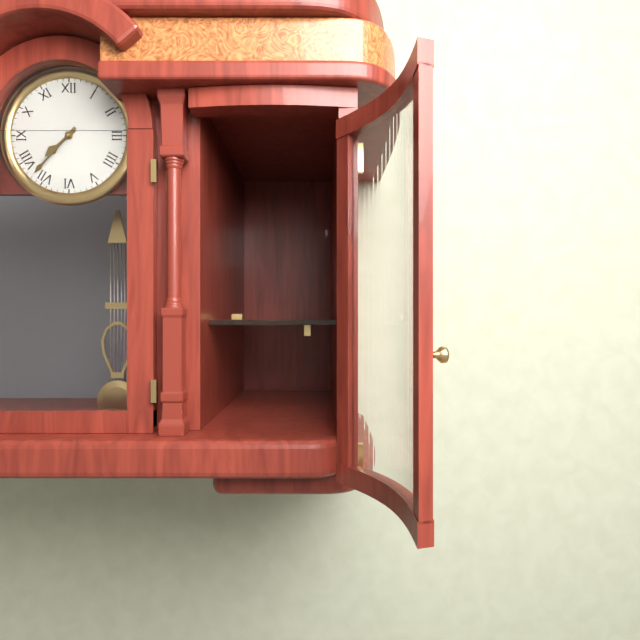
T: 7 h 37 min
